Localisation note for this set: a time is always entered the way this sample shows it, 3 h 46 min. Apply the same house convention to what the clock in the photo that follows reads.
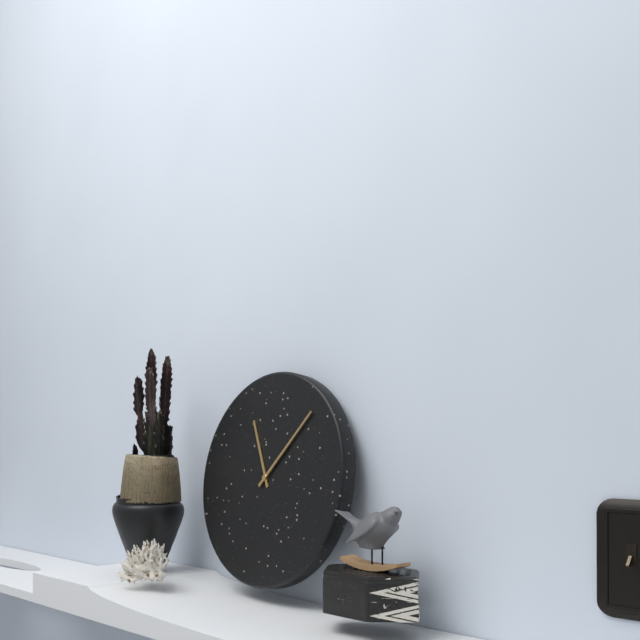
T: 11 h 07 min
